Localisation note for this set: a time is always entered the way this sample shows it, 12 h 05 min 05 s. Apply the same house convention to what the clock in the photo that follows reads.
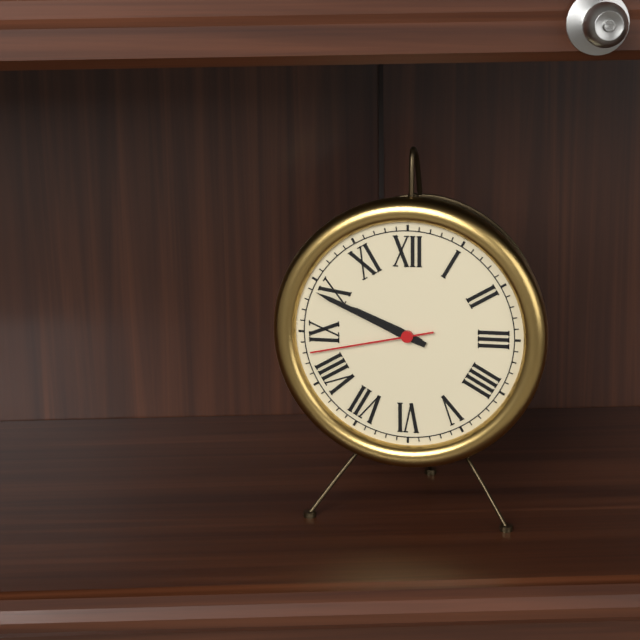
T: 9 h 49 min 43 s
